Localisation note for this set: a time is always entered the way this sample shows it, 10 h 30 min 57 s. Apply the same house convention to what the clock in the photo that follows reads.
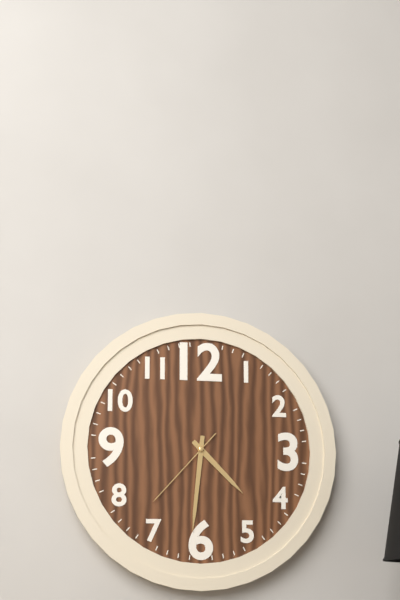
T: 4 h 31 min 37 s
